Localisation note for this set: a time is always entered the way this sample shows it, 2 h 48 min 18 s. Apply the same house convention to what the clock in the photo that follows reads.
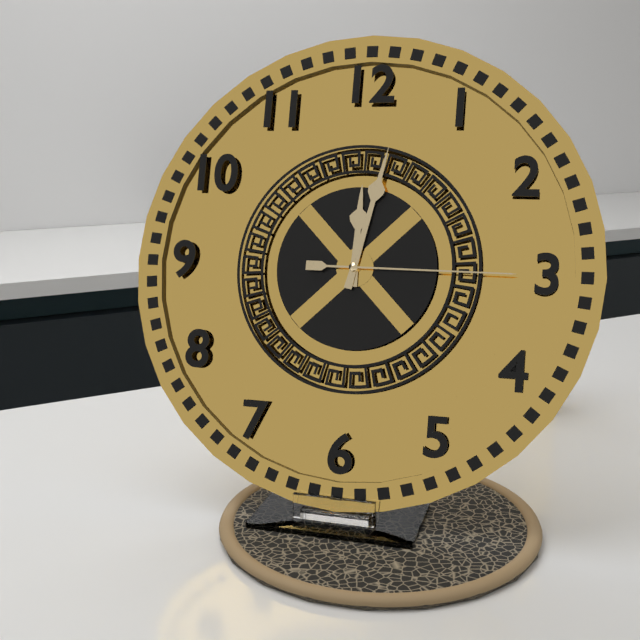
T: 12 h 02 min 15 s
